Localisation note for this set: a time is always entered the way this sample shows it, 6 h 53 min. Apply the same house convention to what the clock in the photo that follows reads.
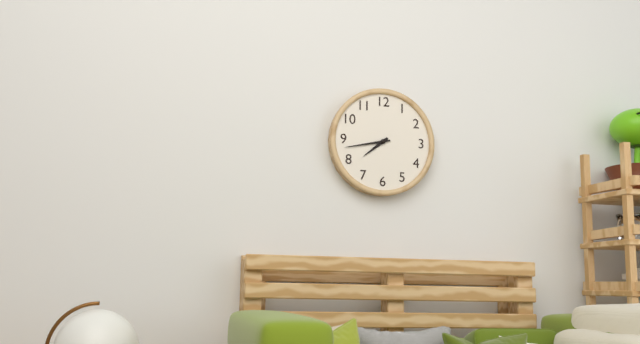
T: 7 h 43 min
